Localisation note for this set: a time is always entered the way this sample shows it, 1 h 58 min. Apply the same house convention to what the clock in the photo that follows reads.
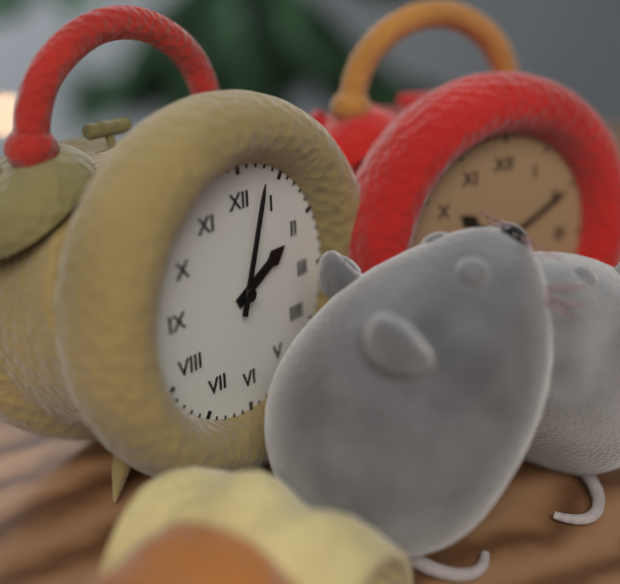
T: 2 h 03 min
